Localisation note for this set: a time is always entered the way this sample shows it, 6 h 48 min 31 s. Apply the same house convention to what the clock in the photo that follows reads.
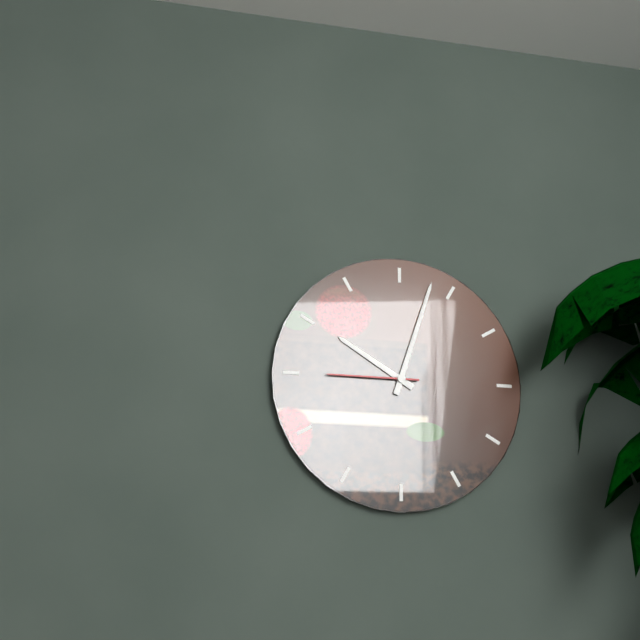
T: 10 h 03 min 45 s
